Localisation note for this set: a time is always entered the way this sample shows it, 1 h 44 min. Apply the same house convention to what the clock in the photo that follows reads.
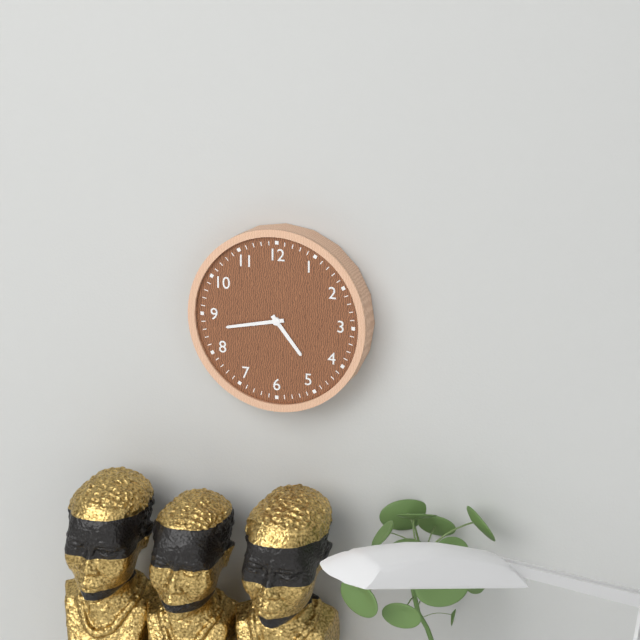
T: 4 h 43 min
